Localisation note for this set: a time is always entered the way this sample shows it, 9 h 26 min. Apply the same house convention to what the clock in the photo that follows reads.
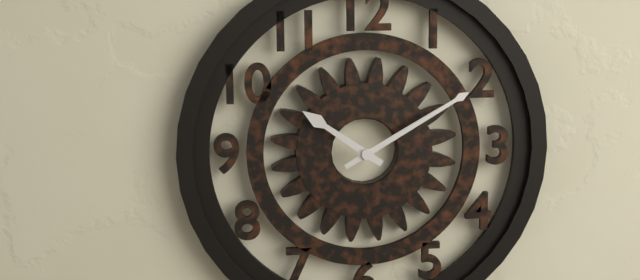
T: 10 h 10 min
